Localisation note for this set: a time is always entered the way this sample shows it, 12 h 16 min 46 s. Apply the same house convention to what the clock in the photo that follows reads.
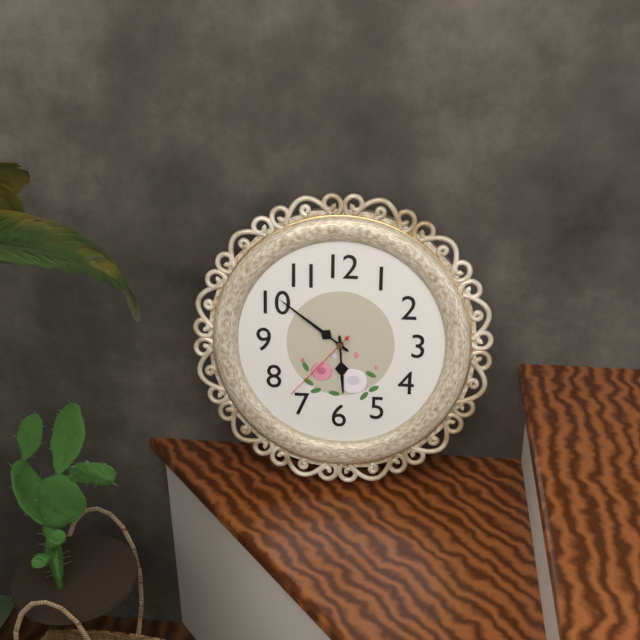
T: 5 h 51 min 37 s
